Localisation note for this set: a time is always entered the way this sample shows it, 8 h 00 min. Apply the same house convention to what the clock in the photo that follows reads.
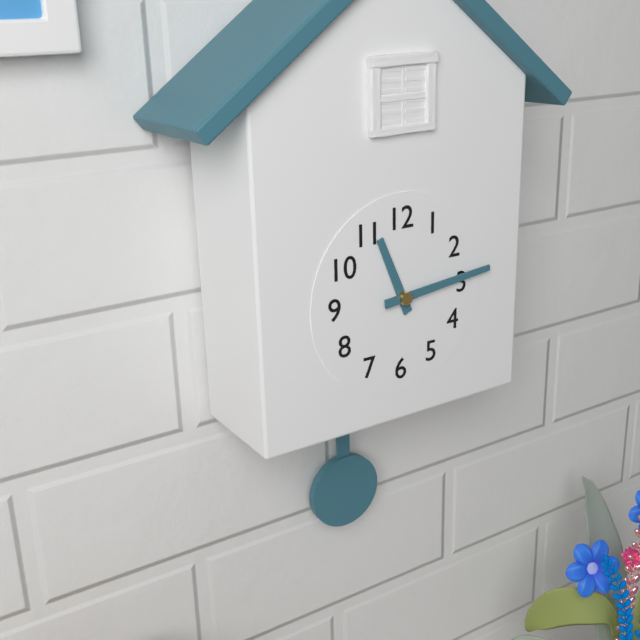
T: 11 h 14 min
